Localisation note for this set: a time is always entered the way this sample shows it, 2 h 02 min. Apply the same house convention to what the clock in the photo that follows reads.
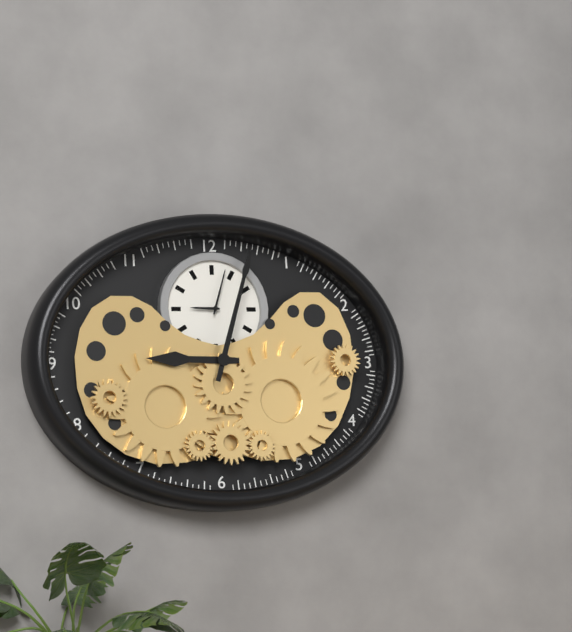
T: 9 h 03 min
